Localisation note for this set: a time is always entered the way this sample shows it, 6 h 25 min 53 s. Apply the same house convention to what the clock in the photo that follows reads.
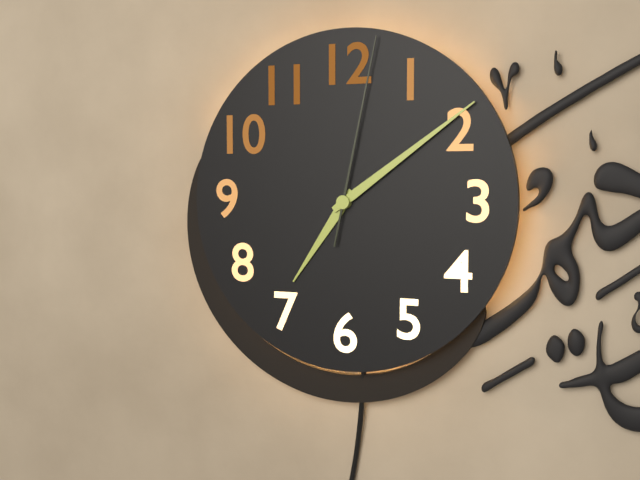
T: 7 h 09 min 02 s
